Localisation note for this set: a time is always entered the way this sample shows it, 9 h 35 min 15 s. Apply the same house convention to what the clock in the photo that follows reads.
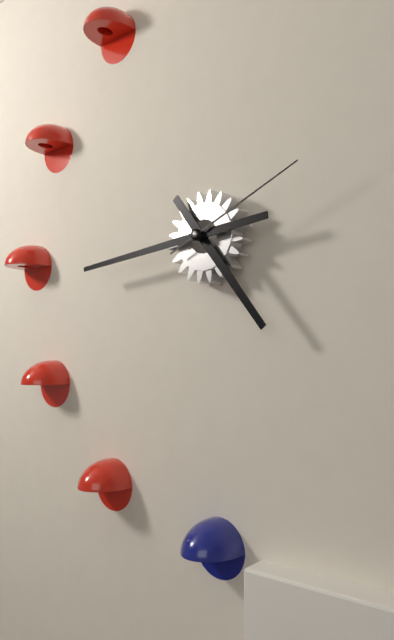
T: 4 h 44 min 11 s
